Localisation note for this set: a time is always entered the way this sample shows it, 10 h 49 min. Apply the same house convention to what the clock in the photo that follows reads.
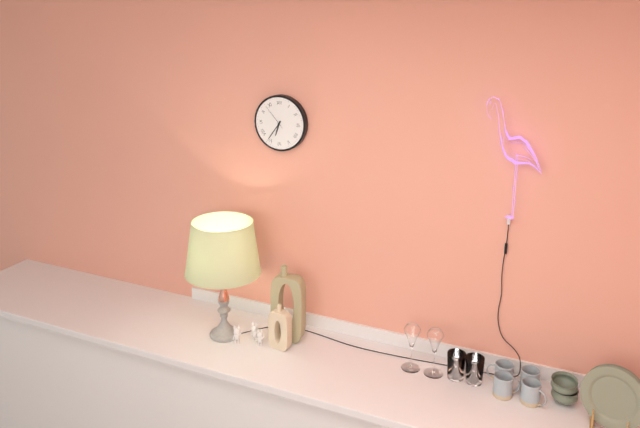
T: 6 h 36 min
